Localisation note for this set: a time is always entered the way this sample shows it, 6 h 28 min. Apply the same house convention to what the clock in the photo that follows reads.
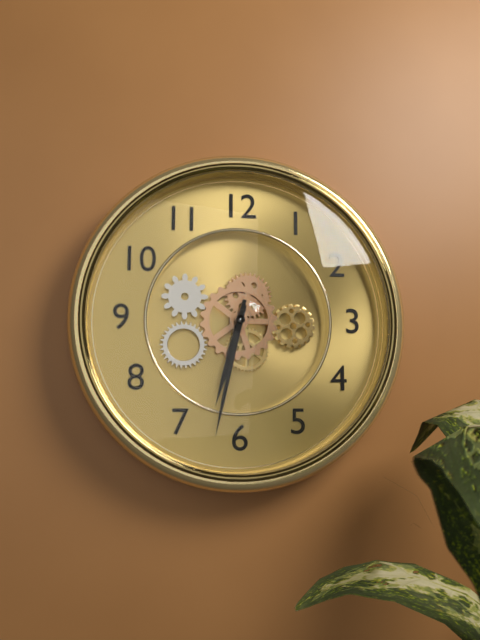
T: 6 h 32 min
